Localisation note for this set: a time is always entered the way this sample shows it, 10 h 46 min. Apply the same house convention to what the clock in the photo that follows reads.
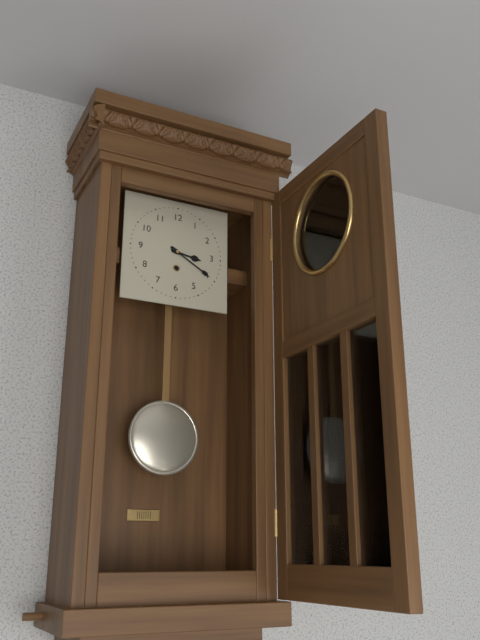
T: 3 h 20 min
